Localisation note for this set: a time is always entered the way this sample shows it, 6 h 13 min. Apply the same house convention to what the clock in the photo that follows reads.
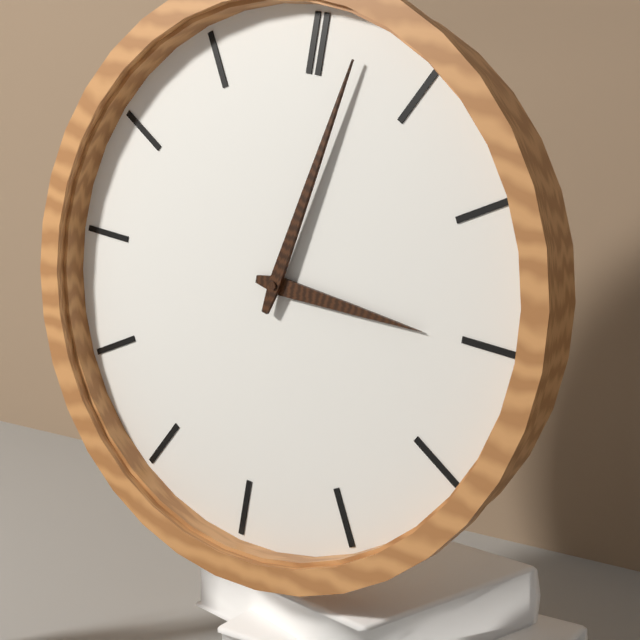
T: 3 h 02 min
